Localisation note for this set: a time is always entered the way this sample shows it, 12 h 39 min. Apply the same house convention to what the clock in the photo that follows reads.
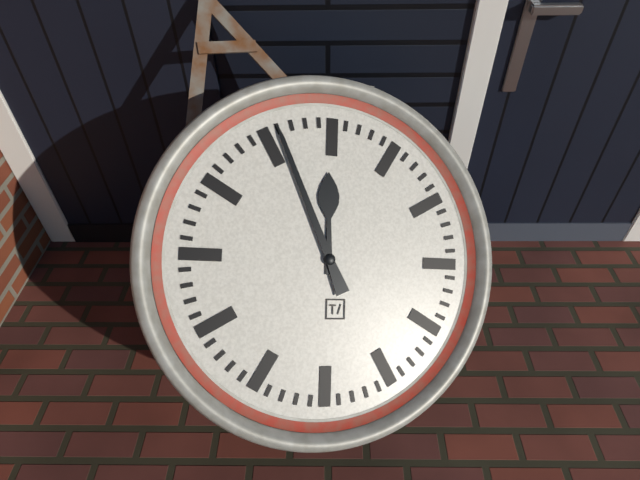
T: 11 h 56 min
